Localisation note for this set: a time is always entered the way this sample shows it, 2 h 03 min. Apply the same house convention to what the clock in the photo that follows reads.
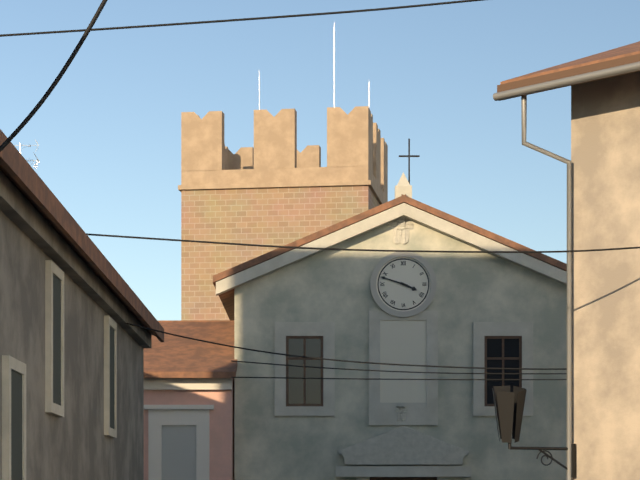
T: 3 h 48 min
